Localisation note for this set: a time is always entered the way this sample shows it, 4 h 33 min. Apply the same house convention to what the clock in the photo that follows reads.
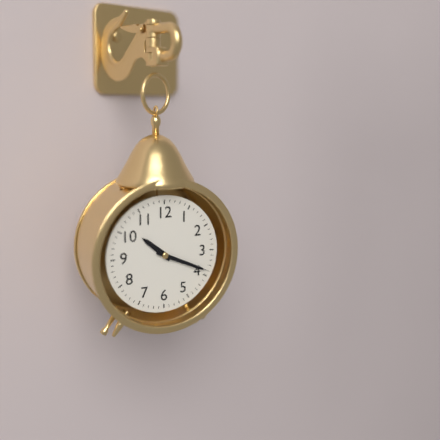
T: 10 h 19 min
